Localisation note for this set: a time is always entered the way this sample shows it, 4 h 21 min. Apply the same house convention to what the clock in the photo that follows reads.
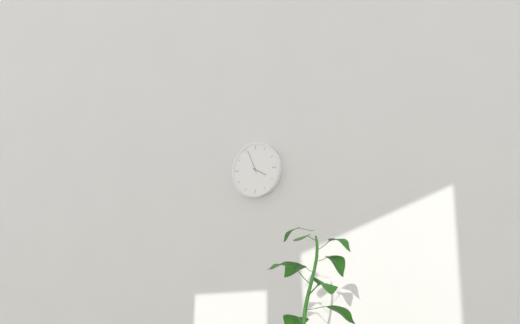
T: 3 h 56 min
